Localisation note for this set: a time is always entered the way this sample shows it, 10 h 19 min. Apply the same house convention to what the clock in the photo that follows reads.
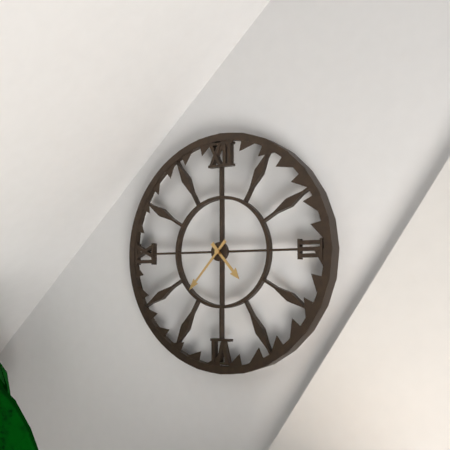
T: 4 h 37 min
